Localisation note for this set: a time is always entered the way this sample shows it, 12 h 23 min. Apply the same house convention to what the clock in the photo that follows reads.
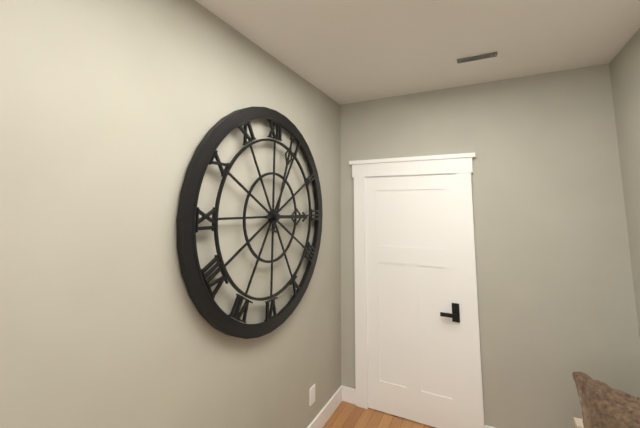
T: 3 h 03 min
